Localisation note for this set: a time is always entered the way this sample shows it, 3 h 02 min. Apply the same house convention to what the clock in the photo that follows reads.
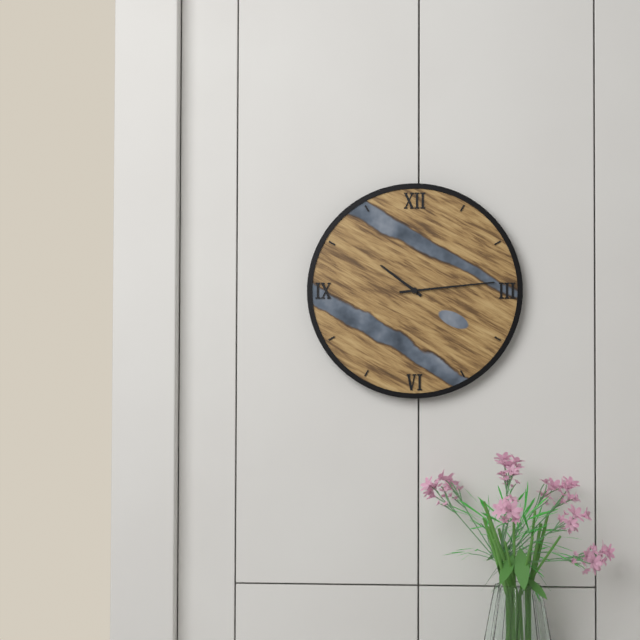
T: 10 h 14 min
